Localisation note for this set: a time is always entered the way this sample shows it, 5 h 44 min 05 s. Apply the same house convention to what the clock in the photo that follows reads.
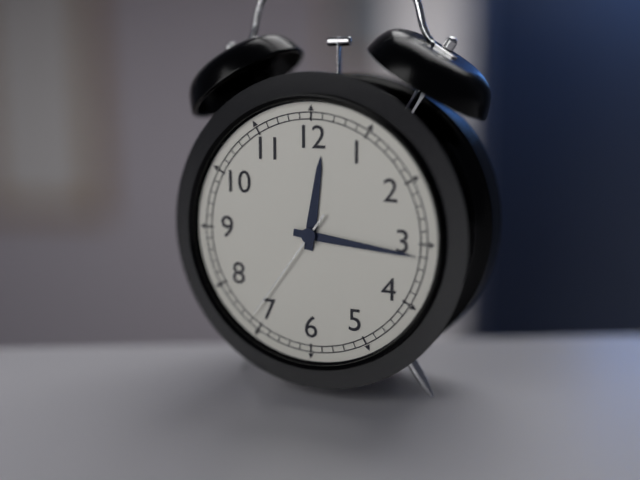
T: 12 h 16 min 36 s
